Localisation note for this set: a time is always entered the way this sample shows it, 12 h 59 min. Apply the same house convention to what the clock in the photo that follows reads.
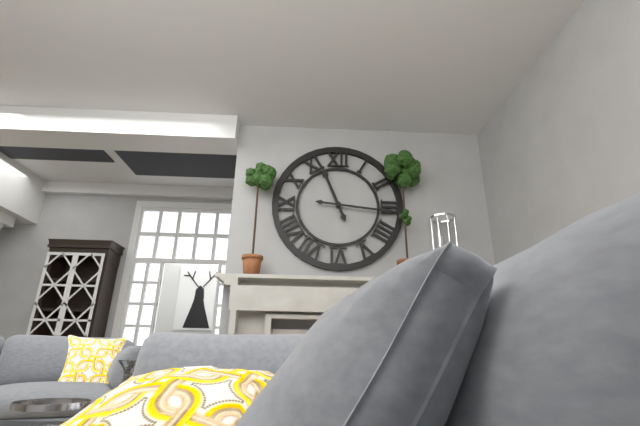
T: 11 h 16 min
